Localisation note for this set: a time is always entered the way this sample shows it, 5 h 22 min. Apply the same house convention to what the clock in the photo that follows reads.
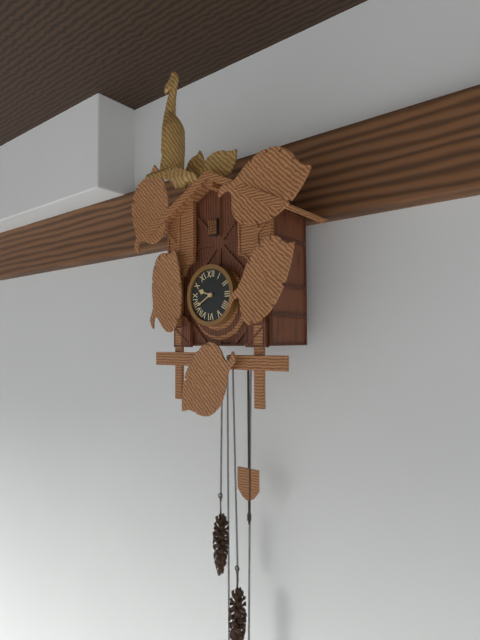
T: 9 h 40 min
